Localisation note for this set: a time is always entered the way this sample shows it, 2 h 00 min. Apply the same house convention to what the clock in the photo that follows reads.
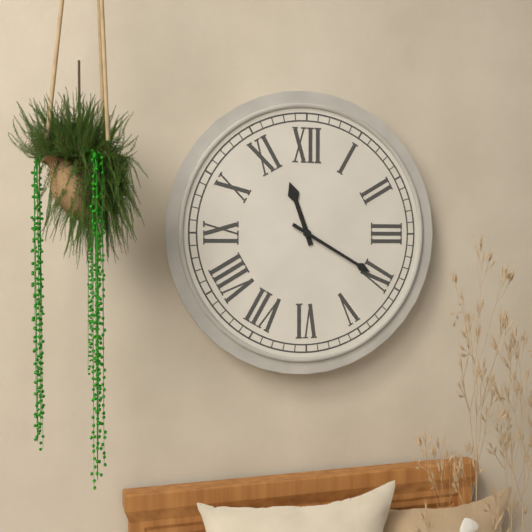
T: 11 h 20 min
